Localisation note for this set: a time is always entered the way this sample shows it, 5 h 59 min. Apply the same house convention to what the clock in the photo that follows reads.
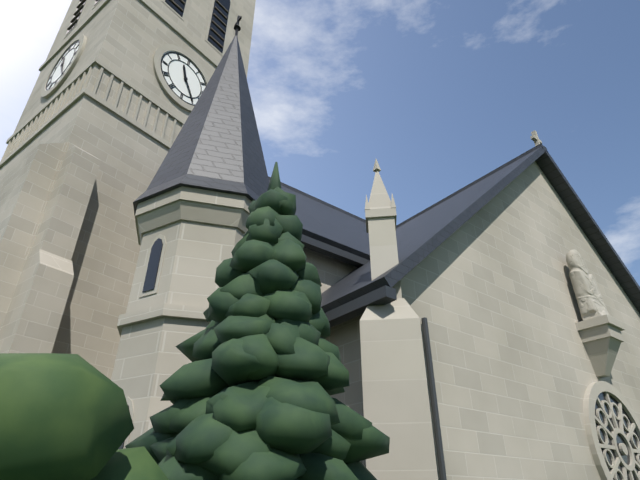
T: 11 h 25 min
